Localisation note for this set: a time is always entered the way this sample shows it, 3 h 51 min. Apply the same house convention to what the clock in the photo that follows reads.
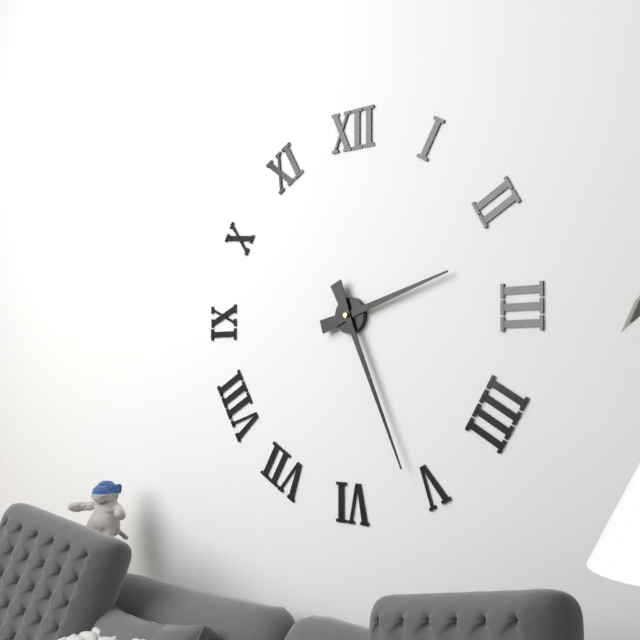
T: 2 h 26 min
